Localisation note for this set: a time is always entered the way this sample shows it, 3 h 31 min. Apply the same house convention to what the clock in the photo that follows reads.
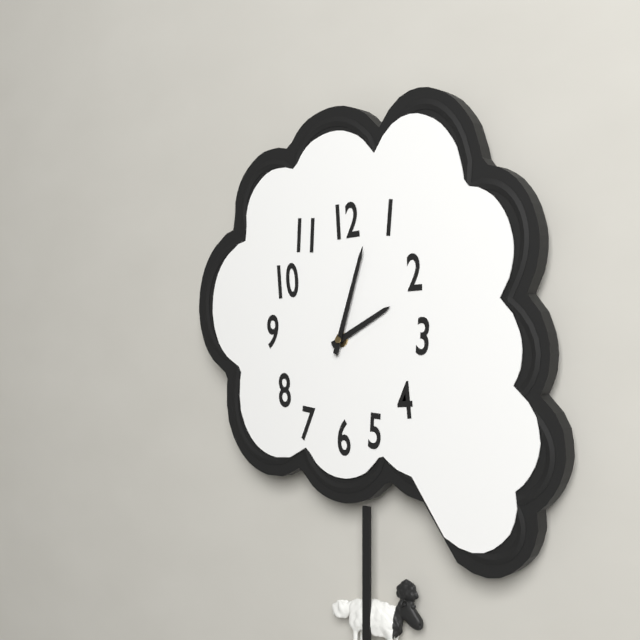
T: 2 h 03 min
